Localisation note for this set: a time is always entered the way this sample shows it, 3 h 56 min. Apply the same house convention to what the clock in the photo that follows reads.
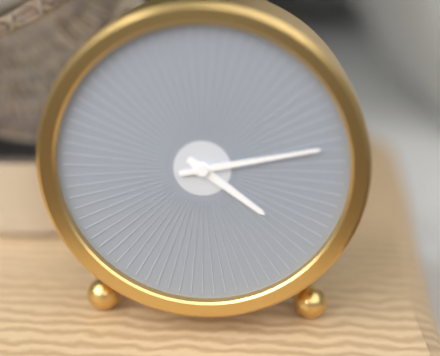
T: 4 h 13 min
